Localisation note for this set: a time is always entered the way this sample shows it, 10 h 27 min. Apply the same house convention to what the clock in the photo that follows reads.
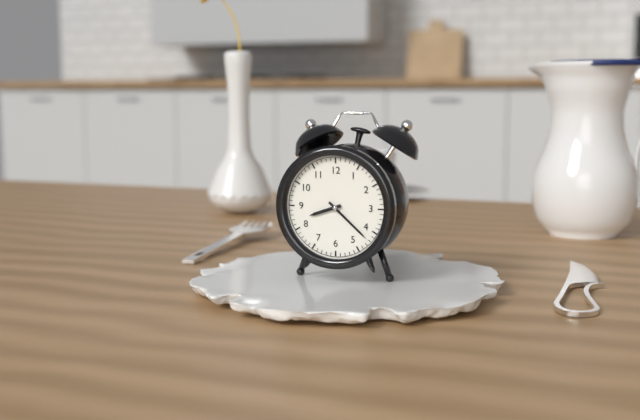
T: 8 h 22 min
